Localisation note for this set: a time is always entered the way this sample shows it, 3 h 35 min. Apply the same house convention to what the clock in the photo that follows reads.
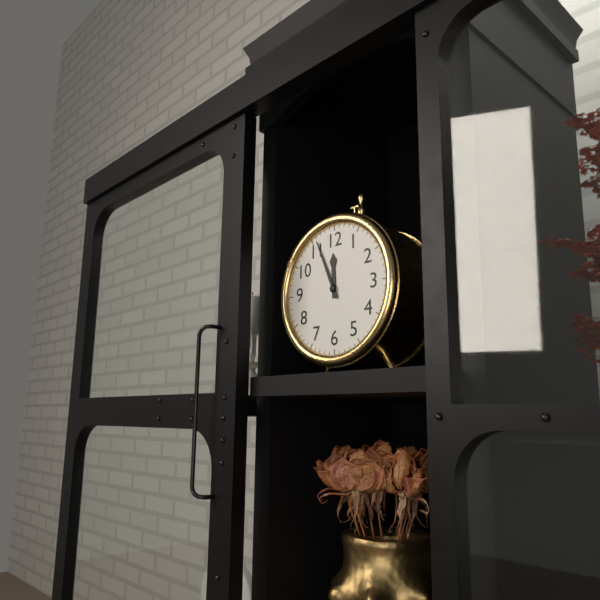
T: 11 h 56 min
